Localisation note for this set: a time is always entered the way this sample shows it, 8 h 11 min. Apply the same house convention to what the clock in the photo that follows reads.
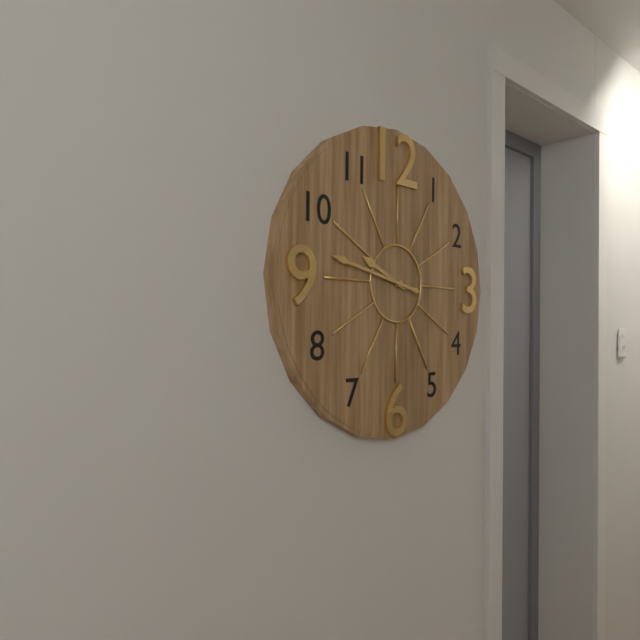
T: 9 h 47 min
